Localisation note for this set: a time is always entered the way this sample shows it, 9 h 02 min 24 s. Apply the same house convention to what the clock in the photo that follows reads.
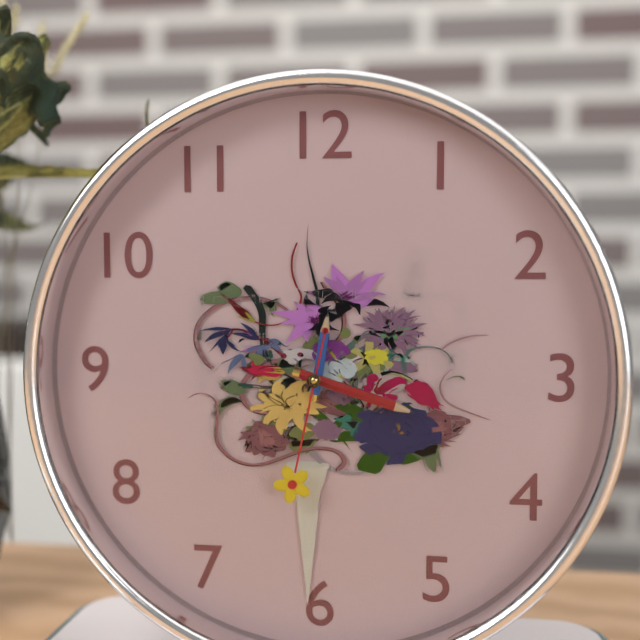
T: 12 h 18 min 32 s
